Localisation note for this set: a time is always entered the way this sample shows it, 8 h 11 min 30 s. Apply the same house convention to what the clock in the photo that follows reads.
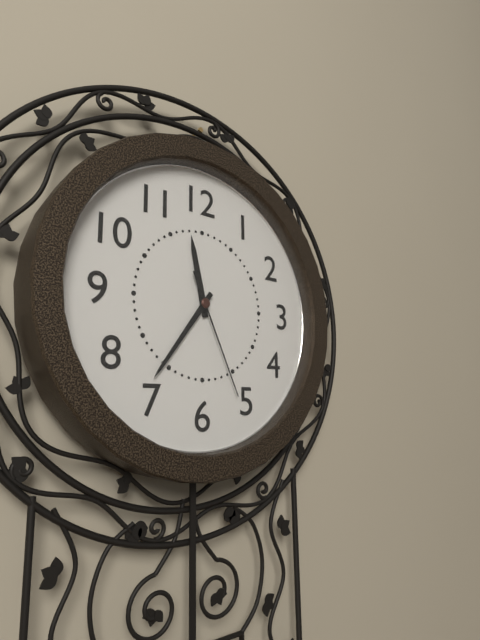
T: 11 h 36 min 26 s
